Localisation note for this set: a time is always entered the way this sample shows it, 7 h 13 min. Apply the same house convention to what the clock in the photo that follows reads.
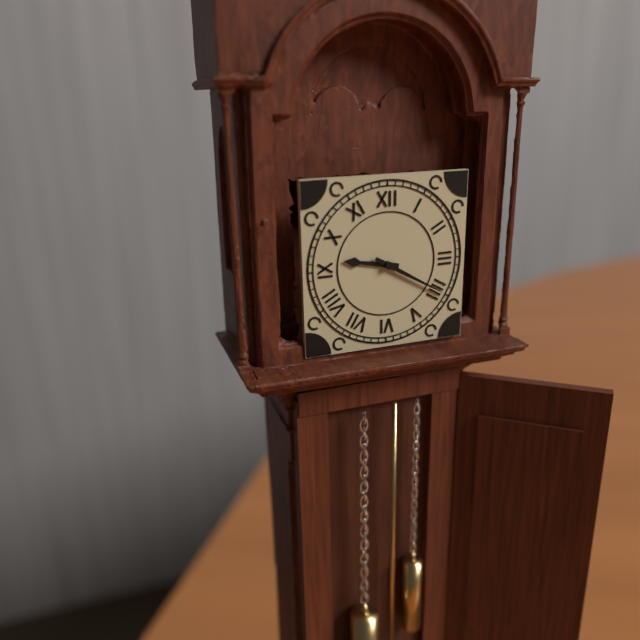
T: 9 h 20 min
